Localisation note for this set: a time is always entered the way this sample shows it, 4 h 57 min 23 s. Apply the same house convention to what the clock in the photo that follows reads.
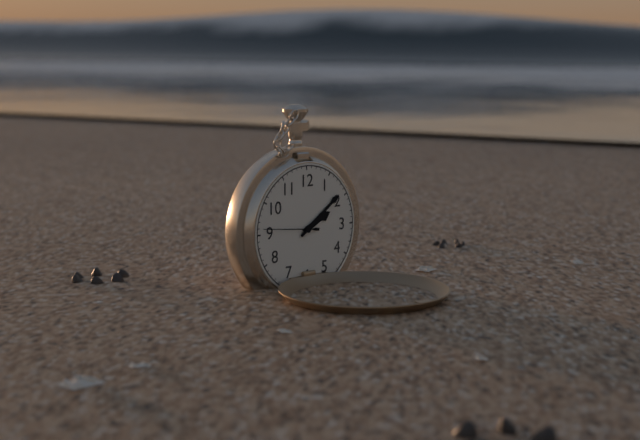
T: 2 h 09 min 46 s
